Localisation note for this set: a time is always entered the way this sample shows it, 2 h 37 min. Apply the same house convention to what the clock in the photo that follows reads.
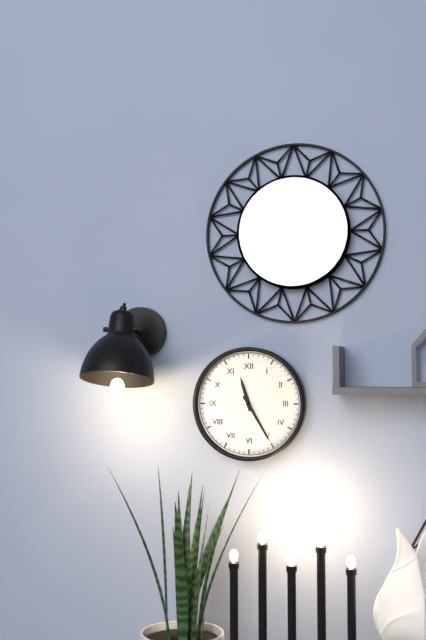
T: 11 h 25 min
